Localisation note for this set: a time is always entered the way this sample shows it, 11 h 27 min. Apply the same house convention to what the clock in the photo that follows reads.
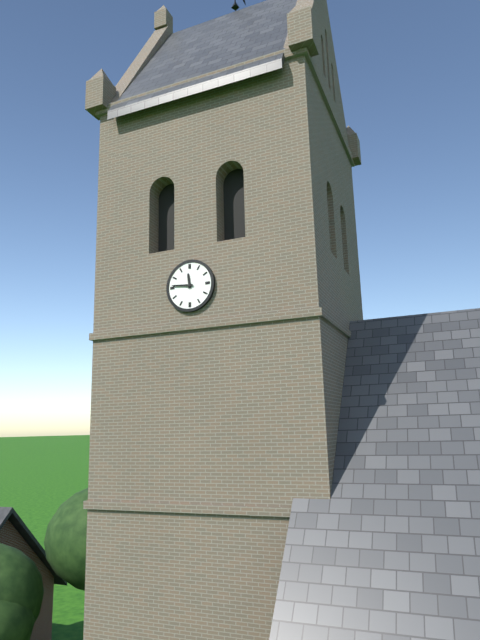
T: 11 h 46 min
